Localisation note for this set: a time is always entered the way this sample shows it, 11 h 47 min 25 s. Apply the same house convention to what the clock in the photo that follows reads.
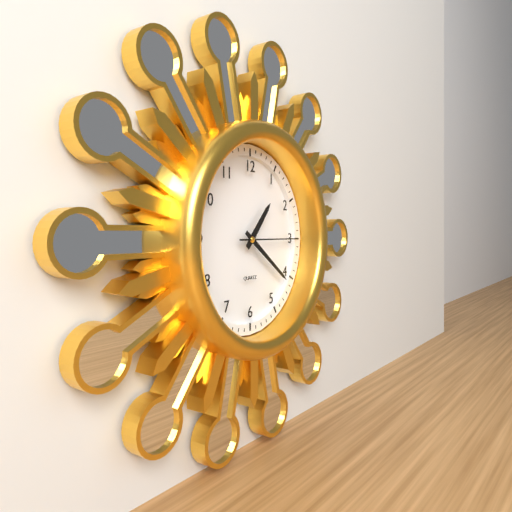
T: 1 h 21 min 15 s
